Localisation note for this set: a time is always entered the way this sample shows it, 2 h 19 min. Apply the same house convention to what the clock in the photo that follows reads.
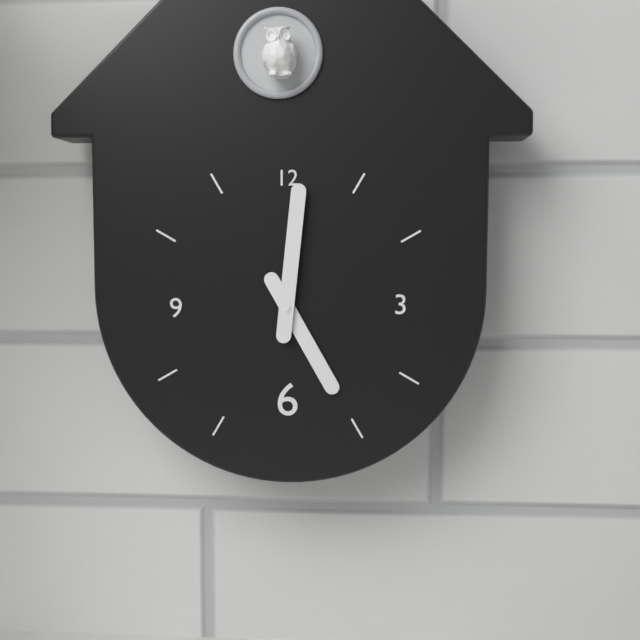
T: 5 h 01 min
